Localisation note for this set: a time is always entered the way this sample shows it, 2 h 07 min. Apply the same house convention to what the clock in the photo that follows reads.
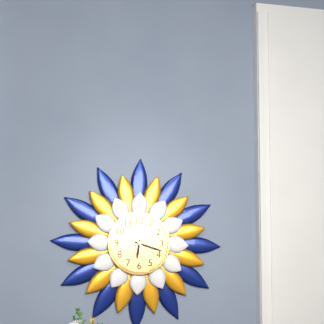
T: 6 h 18 min
